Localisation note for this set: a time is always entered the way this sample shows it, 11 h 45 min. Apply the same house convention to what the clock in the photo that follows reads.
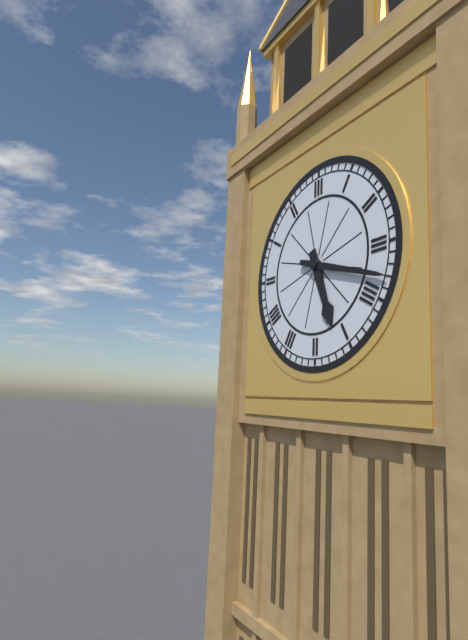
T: 5 h 18 min
